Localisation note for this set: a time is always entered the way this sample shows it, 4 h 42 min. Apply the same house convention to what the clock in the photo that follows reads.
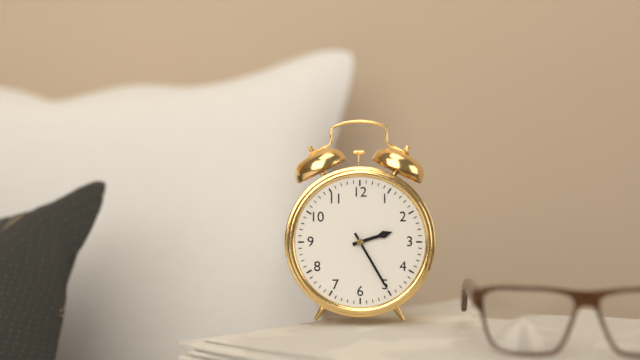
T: 2 h 25 min
